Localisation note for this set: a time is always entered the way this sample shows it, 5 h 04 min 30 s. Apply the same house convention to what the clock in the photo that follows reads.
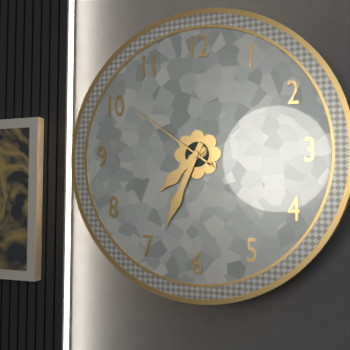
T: 7 h 34 min 51 s
